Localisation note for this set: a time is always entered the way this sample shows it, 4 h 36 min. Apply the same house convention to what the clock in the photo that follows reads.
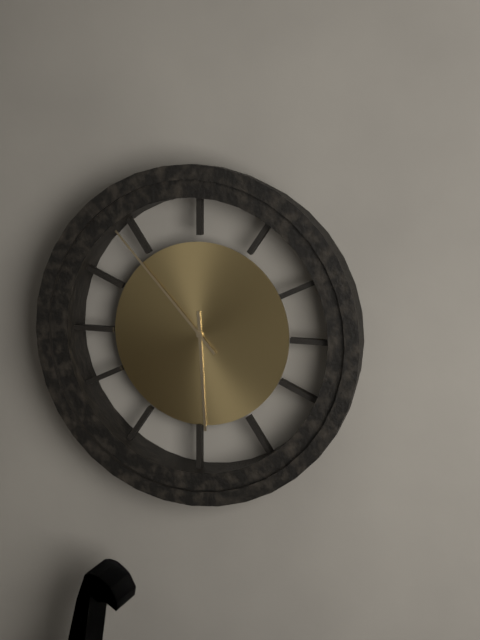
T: 5 h 53 min
